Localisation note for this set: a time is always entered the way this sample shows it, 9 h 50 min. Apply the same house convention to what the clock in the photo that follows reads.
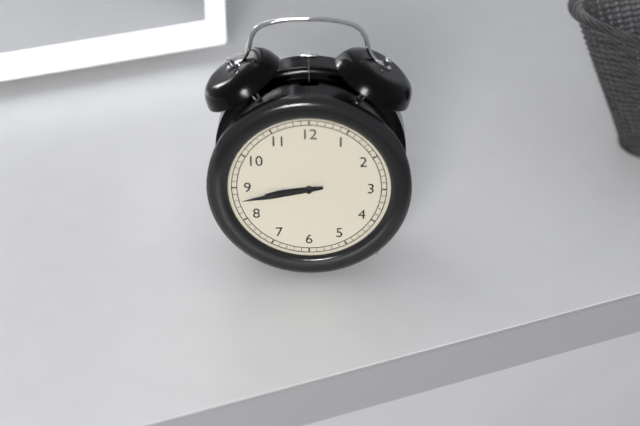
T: 8 h 43 min
